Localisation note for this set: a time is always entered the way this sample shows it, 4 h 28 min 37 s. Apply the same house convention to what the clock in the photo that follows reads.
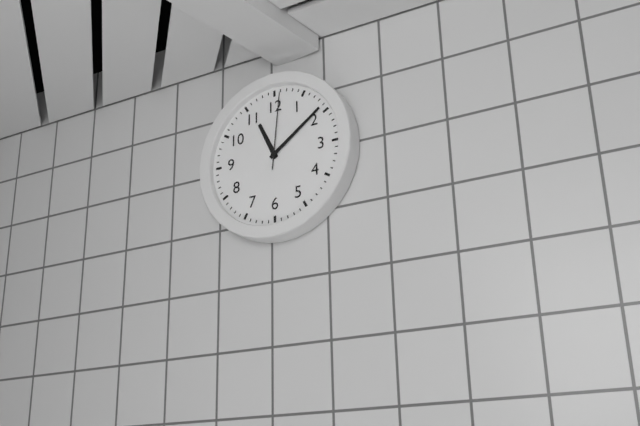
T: 11 h 09 min 01 s
